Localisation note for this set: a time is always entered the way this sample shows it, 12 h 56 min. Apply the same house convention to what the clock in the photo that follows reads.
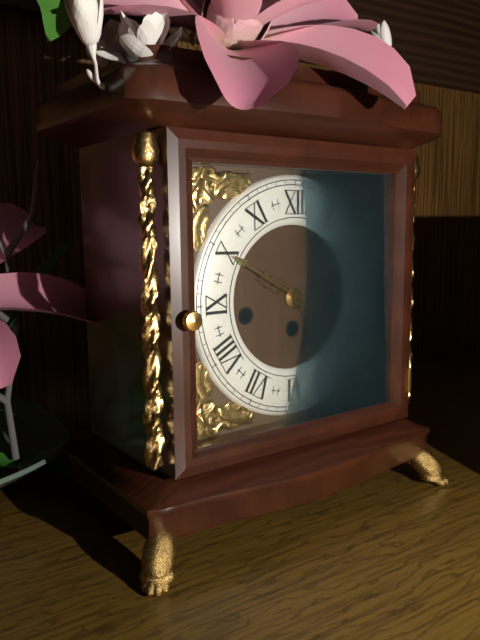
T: 4 h 50 min
